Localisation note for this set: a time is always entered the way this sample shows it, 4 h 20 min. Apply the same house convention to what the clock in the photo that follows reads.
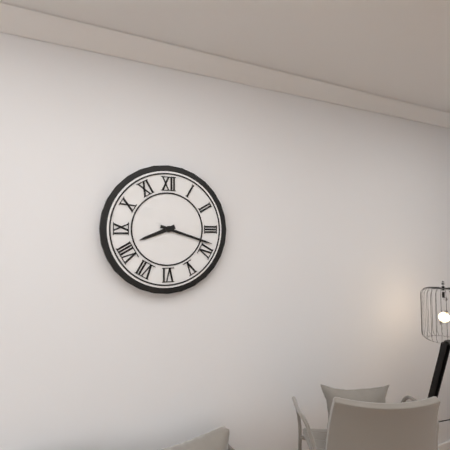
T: 8 h 18 min
